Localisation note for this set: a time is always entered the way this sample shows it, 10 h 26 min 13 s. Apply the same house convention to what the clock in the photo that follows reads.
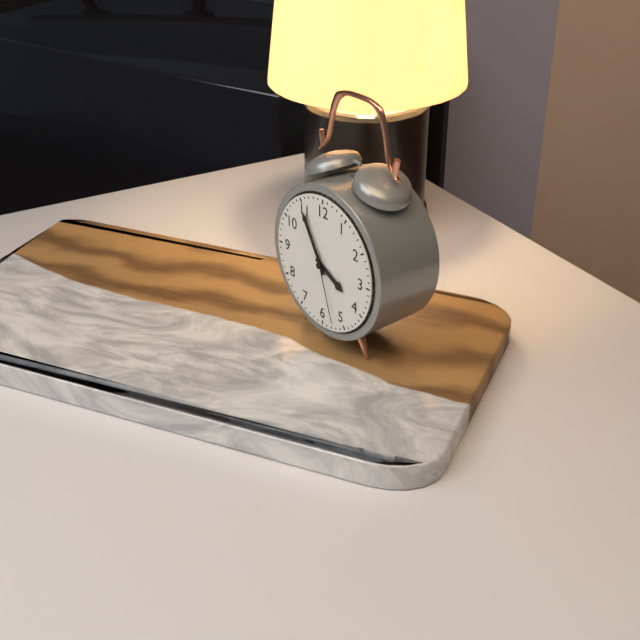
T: 3 h 55 min 27 s
